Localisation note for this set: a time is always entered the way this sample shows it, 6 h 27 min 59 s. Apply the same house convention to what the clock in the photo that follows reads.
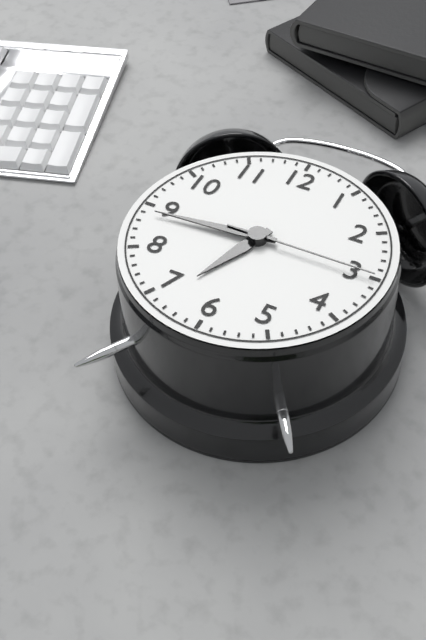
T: 6 h 44 min 15 s
